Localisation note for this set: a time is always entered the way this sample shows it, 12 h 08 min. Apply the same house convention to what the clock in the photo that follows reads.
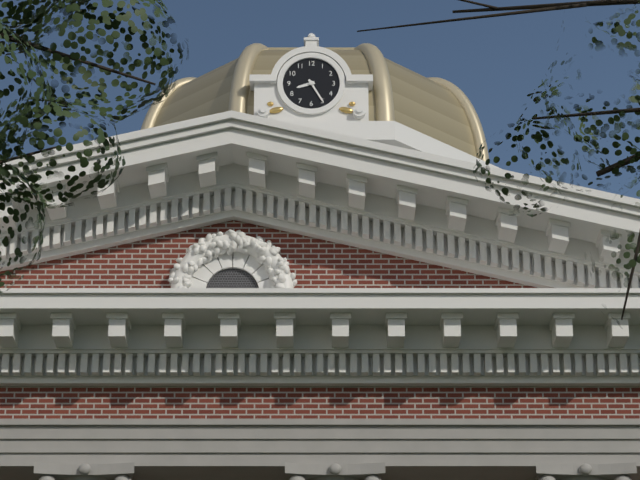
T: 8 h 25 min
